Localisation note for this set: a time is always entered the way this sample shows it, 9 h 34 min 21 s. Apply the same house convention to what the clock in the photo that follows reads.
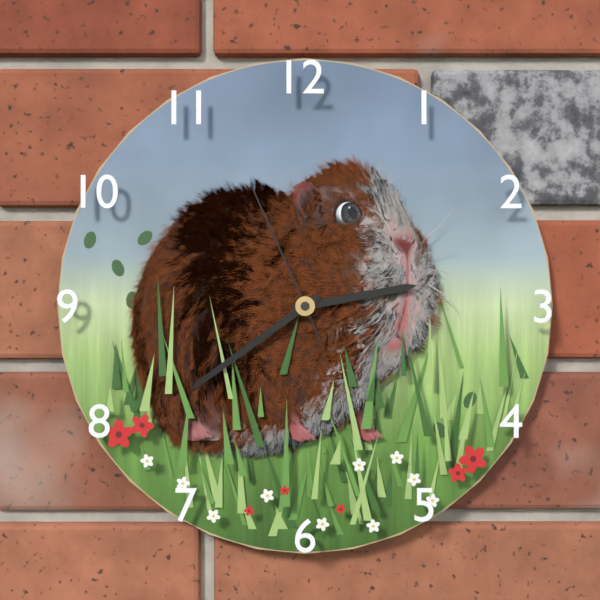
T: 2 h 39 min 56 s
